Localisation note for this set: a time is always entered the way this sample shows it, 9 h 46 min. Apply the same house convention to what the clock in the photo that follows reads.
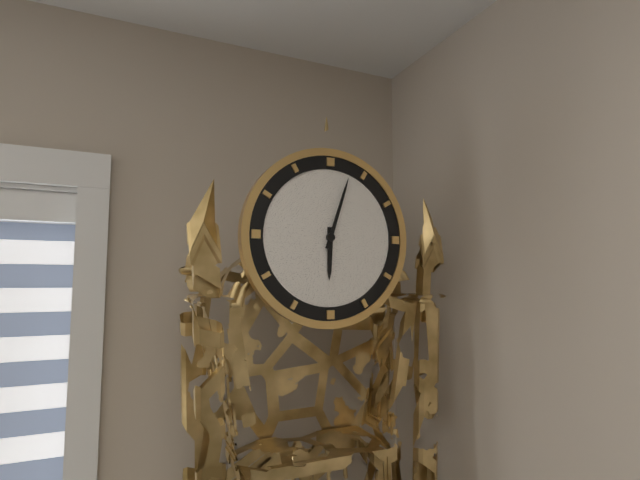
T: 6 h 03 min
